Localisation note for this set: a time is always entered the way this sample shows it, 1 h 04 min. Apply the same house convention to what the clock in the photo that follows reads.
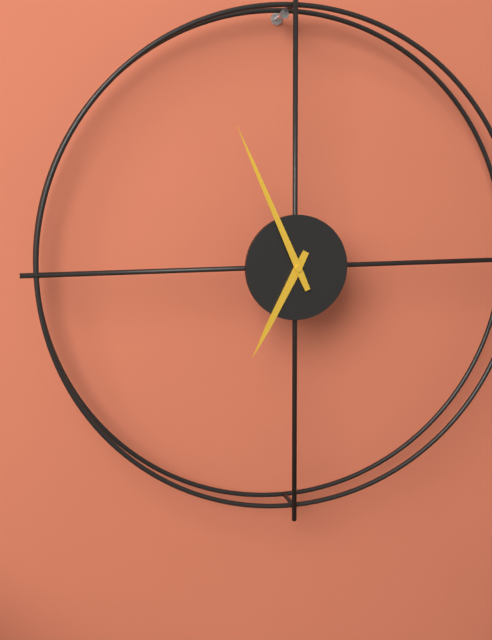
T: 6 h 56 min
